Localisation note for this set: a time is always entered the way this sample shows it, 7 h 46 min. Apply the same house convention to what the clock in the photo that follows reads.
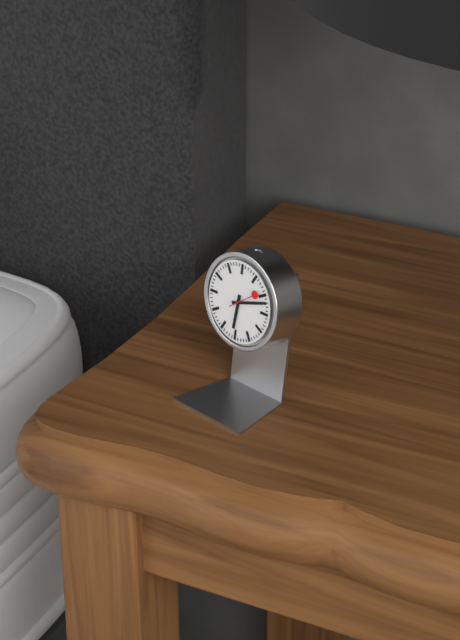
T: 6 h 12 min
